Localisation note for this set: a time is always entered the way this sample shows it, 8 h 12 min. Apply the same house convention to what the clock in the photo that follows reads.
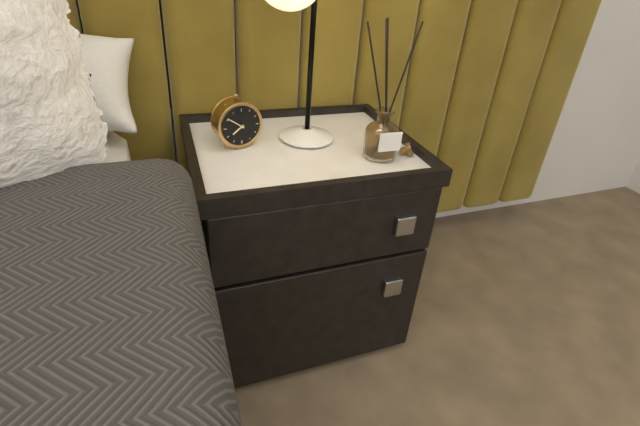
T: 7 h 51 min
